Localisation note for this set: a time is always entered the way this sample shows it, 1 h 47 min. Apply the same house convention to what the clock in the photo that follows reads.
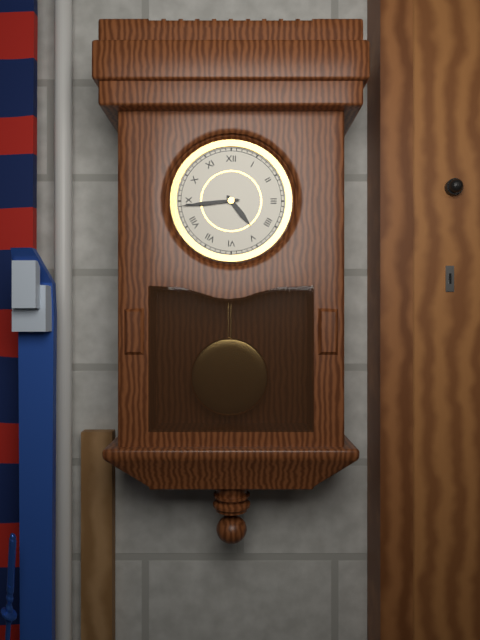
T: 4 h 44 min
